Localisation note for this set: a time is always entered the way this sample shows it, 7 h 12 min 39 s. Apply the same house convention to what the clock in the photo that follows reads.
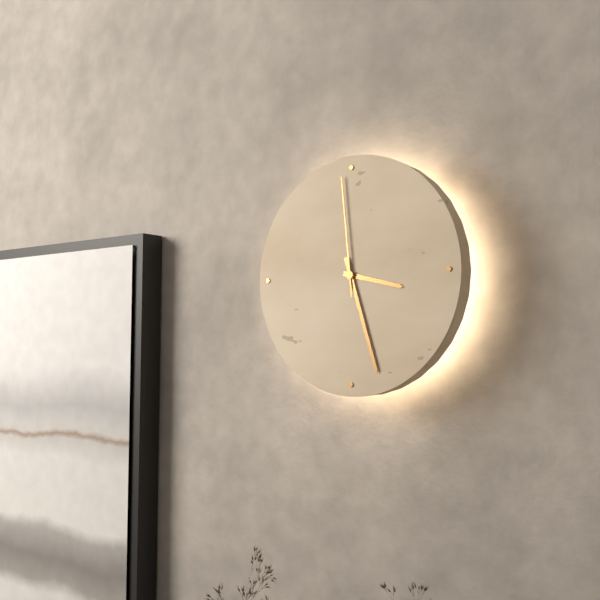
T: 3 h 27 min 59 s
